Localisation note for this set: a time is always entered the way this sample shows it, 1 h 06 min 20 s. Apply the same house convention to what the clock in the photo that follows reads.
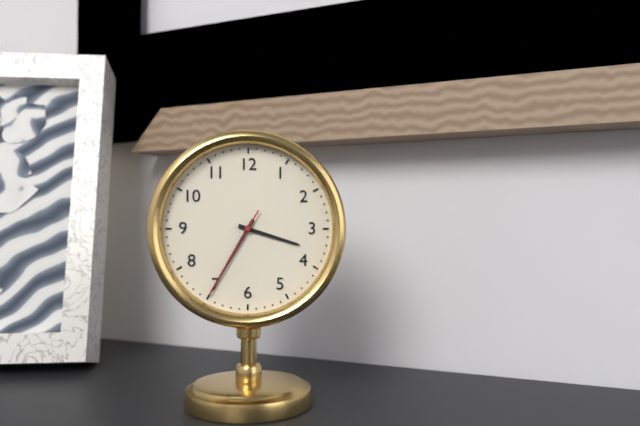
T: 3 h 35 min 35 s
